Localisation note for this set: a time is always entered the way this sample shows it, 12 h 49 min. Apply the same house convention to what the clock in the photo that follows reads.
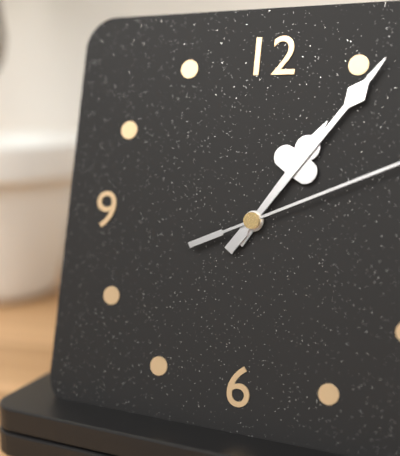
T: 1 h 06 min
